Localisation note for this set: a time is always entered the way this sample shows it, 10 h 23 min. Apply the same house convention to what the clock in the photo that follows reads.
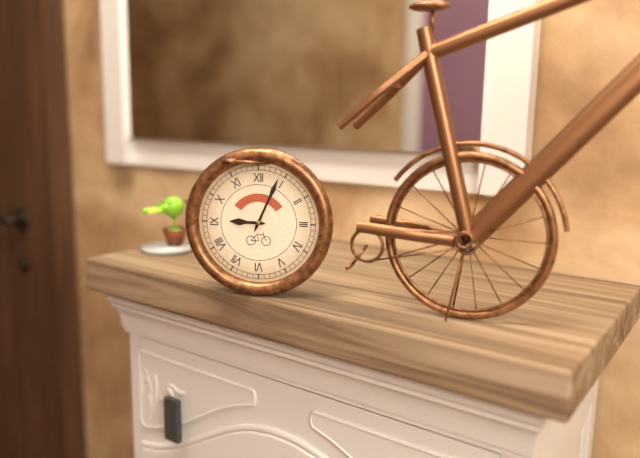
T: 9 h 04 min
